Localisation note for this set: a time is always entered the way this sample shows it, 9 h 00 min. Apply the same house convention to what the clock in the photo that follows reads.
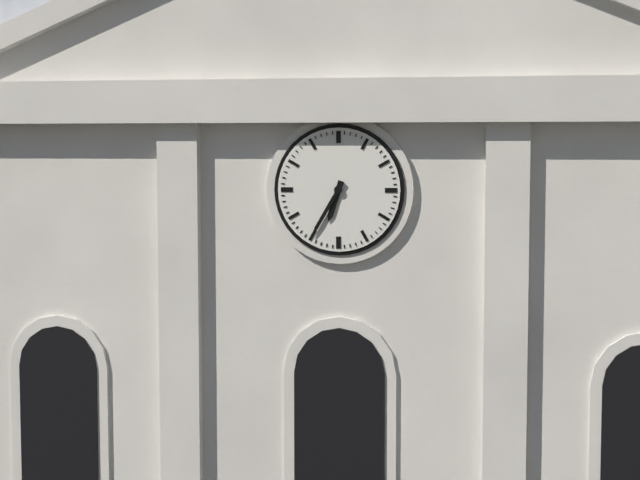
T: 6 h 35 min
